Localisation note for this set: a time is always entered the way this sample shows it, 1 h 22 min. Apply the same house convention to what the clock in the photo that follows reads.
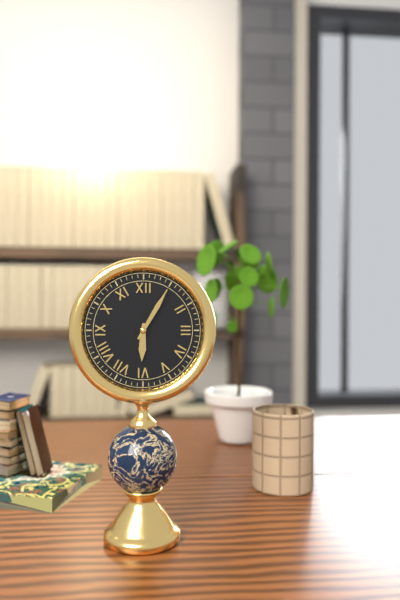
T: 6 h 05 min
